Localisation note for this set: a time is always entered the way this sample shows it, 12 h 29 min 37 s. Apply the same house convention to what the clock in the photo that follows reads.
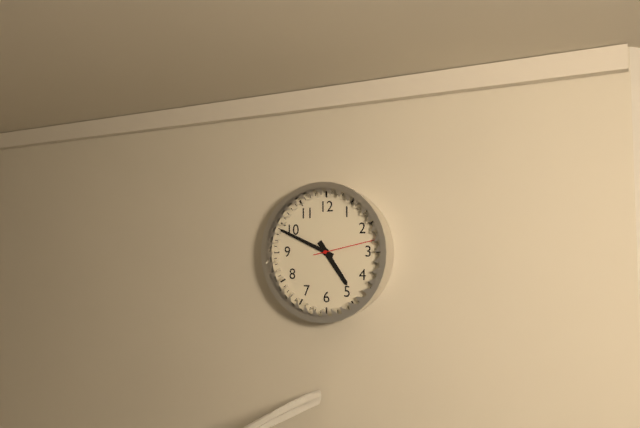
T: 4 h 49 min 13 s
